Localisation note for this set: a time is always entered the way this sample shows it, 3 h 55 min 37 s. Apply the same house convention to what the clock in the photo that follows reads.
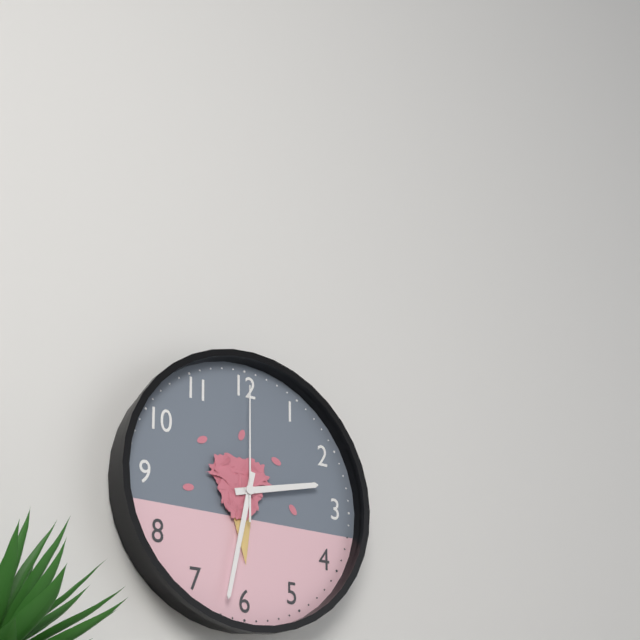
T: 2 h 32 min 00 s
